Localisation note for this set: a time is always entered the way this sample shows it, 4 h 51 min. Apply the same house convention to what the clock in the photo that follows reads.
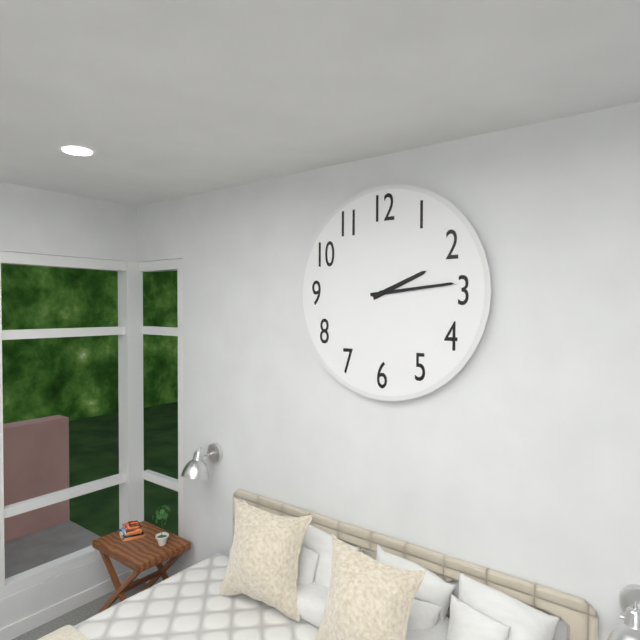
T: 2 h 14 min
